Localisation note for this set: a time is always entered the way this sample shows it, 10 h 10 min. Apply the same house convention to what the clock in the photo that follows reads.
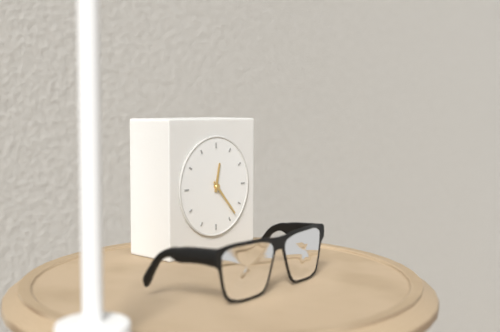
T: 12 h 23 min
